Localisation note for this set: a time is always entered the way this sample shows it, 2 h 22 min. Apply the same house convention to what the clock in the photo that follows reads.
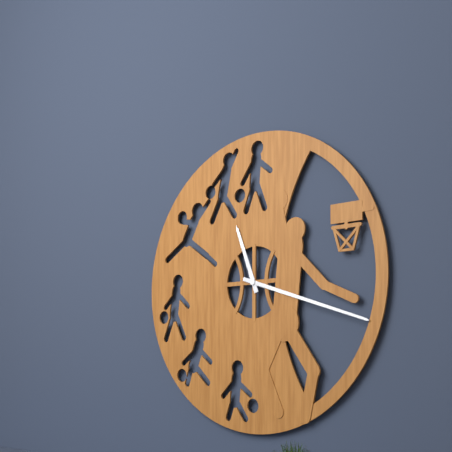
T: 11 h 18 min
